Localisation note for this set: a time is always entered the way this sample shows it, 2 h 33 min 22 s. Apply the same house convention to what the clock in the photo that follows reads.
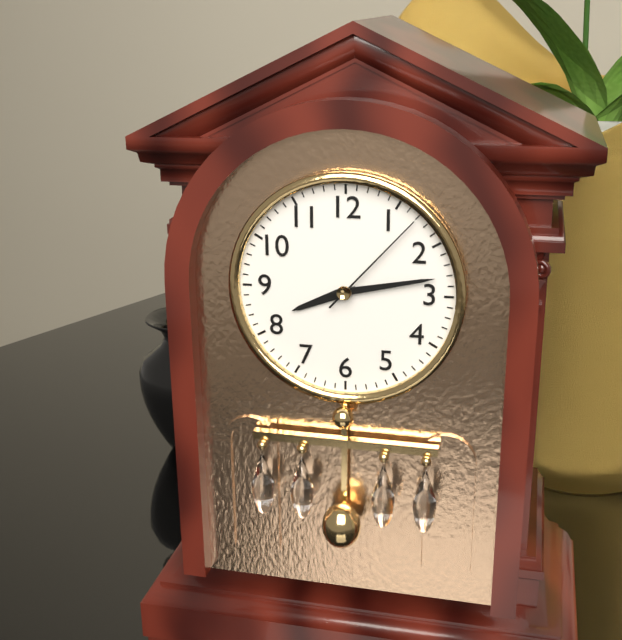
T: 8 h 13 min 07 s
